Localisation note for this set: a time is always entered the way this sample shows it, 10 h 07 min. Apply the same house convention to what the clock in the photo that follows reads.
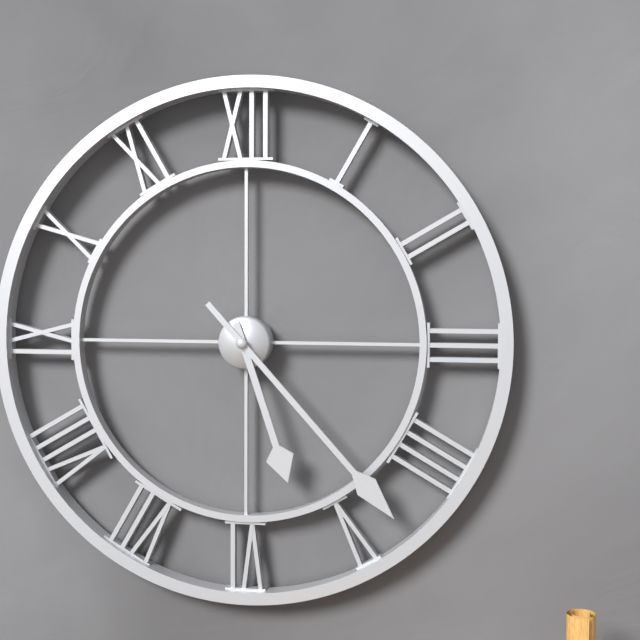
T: 5 h 23 min
